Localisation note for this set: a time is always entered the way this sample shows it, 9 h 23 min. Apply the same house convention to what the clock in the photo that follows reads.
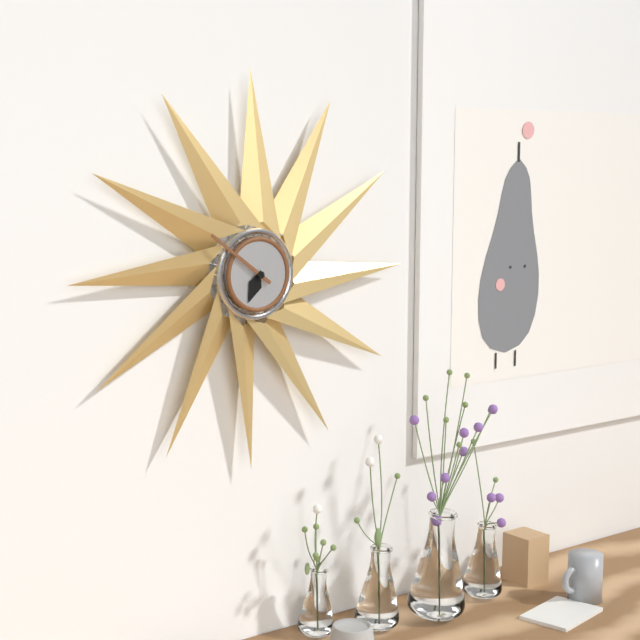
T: 6 h 51 min
